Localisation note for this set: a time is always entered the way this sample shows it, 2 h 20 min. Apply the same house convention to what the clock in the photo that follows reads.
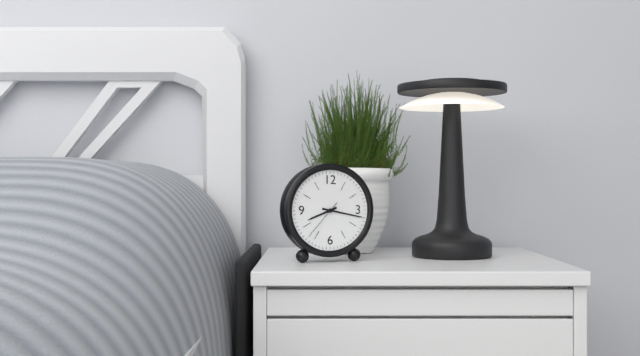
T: 8 h 17 min
